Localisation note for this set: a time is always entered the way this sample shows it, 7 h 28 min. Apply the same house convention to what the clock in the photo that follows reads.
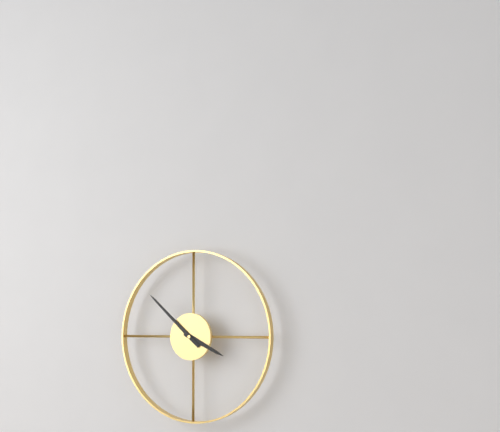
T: 3 h 52 min
